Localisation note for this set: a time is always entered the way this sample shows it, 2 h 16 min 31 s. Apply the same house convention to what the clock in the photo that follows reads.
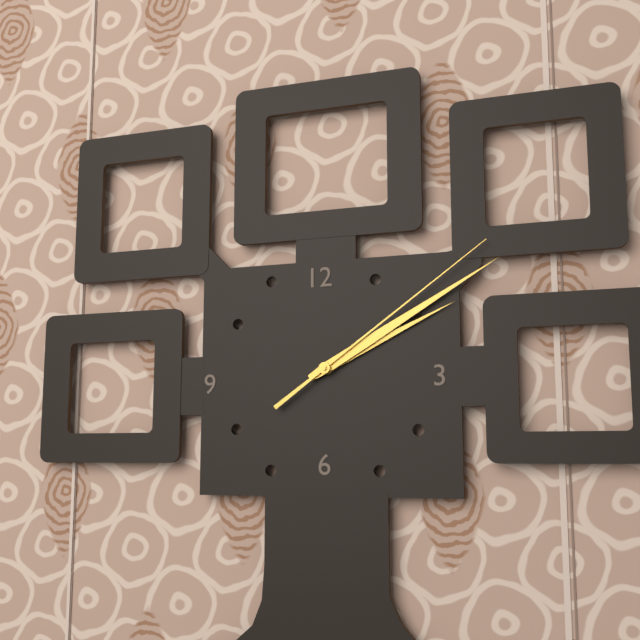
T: 2 h 10 min 09 s
